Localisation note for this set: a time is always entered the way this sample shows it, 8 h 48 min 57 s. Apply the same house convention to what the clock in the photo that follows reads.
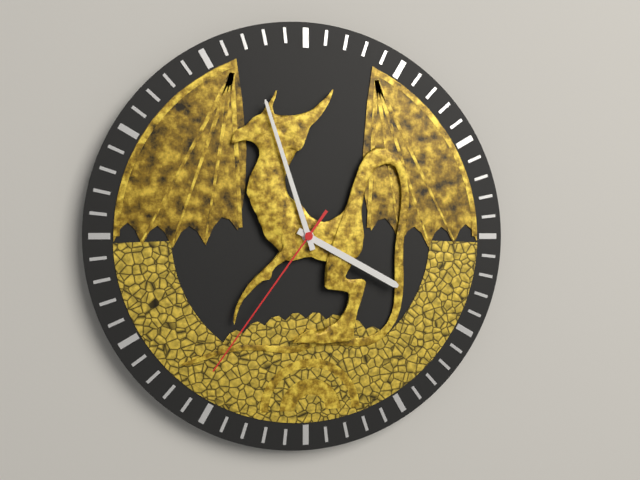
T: 3 h 57 min 36 s
